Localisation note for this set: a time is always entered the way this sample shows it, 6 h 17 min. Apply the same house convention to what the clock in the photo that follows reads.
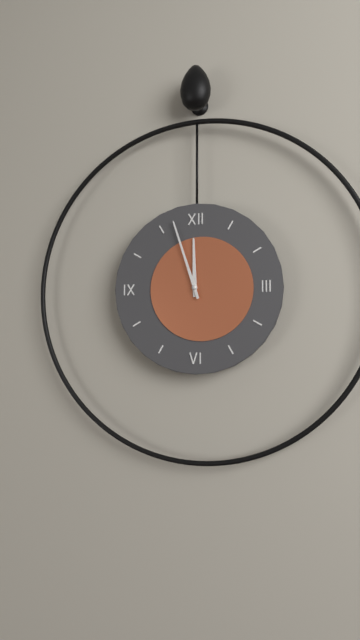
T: 11 h 57 min
